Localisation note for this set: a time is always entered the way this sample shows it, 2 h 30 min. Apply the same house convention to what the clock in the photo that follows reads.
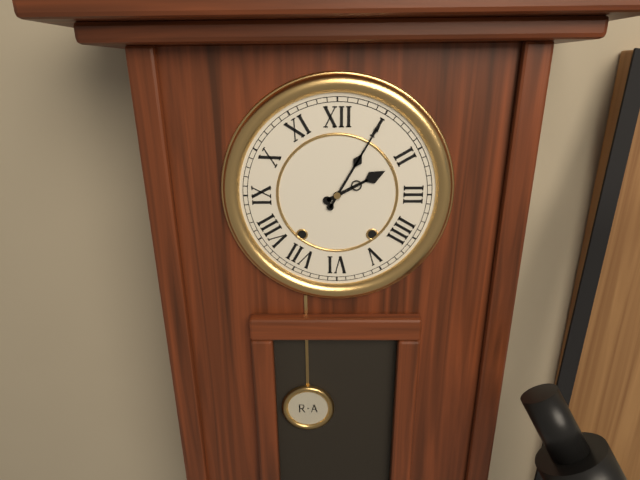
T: 2 h 05 min
